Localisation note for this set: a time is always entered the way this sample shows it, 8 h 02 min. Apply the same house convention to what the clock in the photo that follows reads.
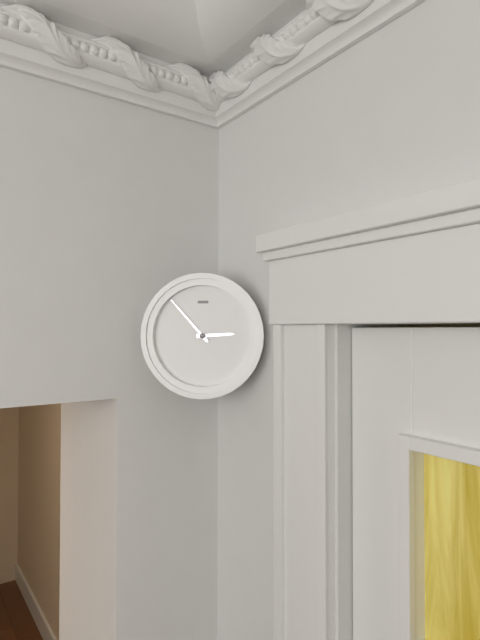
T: 2 h 53 min
